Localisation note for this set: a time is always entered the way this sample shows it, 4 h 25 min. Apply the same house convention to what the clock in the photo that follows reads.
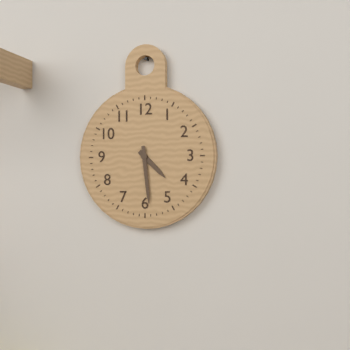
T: 4 h 29 min
